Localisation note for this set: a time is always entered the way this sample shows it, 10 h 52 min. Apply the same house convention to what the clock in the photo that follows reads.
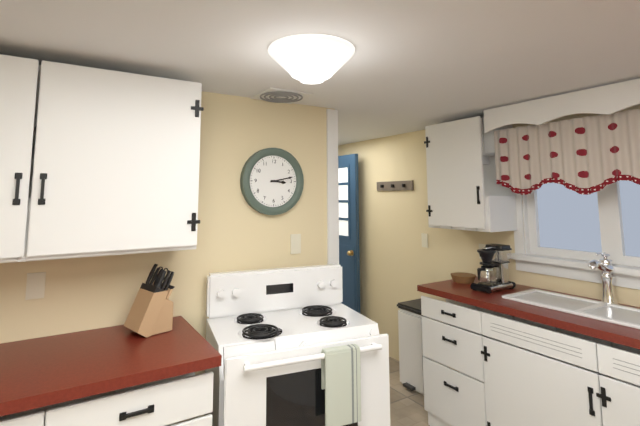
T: 3 h 13 min
